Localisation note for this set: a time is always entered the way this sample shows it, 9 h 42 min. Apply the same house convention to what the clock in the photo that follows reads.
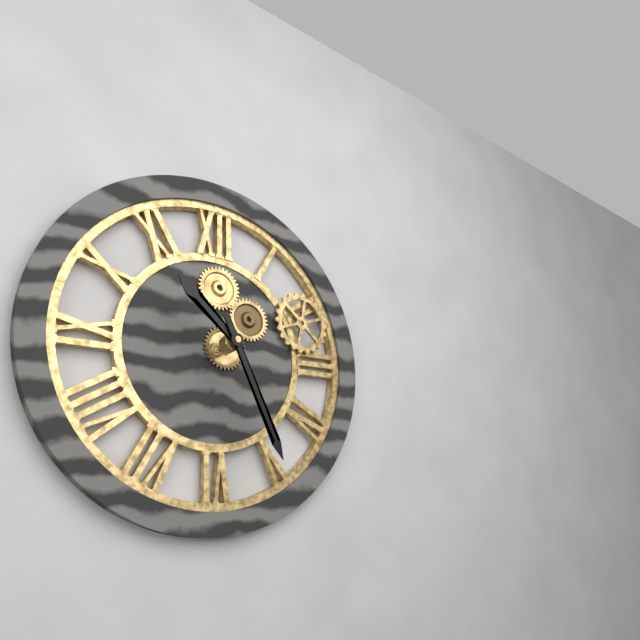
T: 10 h 26 min
